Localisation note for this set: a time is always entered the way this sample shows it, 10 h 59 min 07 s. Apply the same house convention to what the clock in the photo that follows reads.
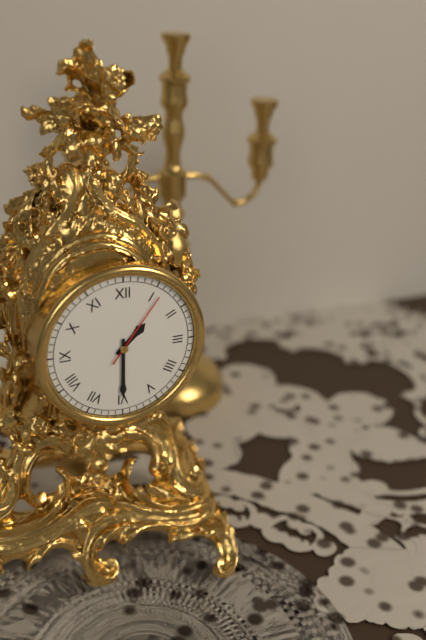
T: 1 h 30 min 06 s
